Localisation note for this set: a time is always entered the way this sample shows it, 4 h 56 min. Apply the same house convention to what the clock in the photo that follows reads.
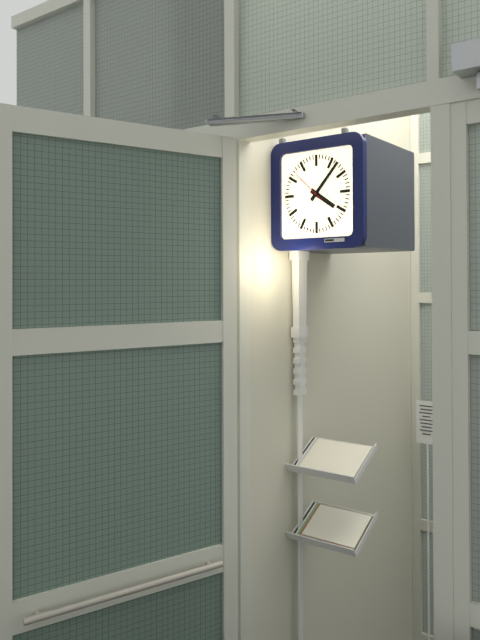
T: 4 h 07 min
